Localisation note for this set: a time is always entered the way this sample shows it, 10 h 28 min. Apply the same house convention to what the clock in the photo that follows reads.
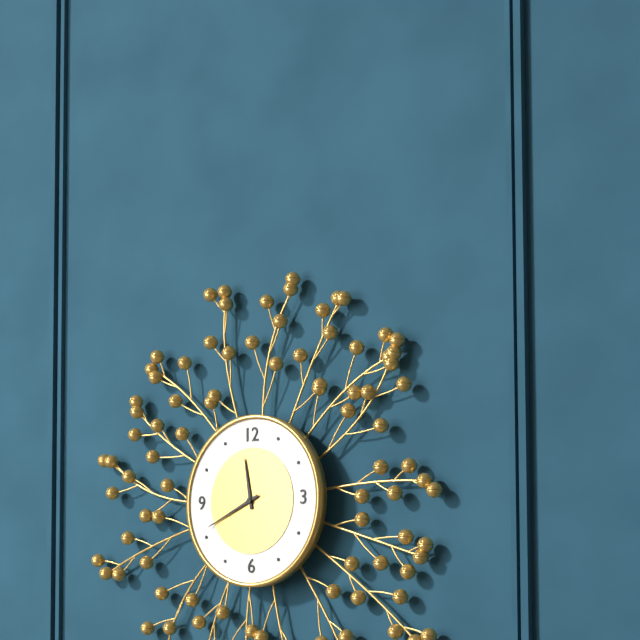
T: 11 h 41 min
